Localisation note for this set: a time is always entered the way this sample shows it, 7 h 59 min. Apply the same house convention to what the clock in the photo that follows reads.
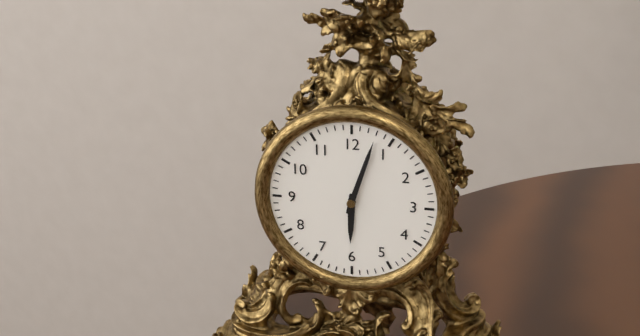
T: 6 h 03 min
